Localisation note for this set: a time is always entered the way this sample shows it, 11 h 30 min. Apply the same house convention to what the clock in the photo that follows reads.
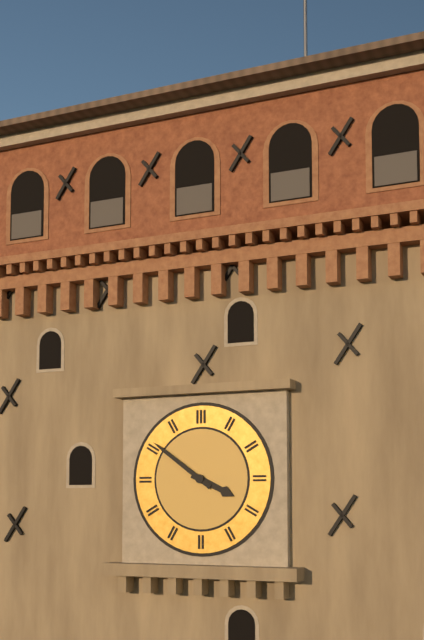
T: 3 h 51 min
